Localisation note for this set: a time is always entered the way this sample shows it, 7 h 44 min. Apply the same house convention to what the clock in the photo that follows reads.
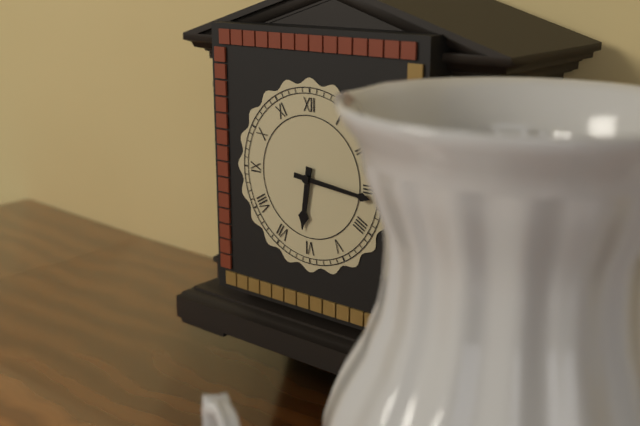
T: 6 h 16 min
